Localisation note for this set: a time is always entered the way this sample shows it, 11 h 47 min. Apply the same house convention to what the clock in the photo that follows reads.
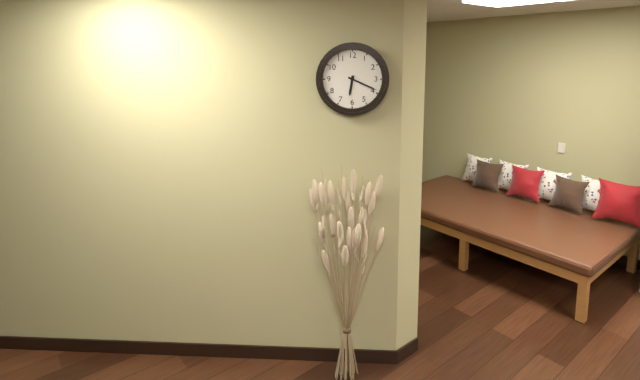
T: 6 h 19 min
